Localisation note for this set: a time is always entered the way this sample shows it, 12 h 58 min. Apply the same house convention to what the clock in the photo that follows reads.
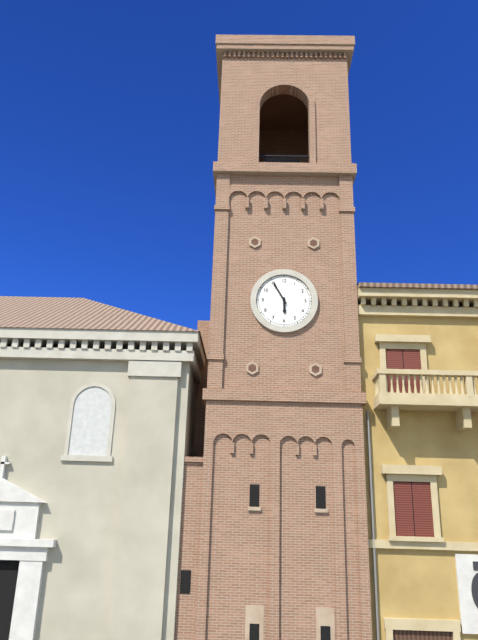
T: 5 h 55 min
